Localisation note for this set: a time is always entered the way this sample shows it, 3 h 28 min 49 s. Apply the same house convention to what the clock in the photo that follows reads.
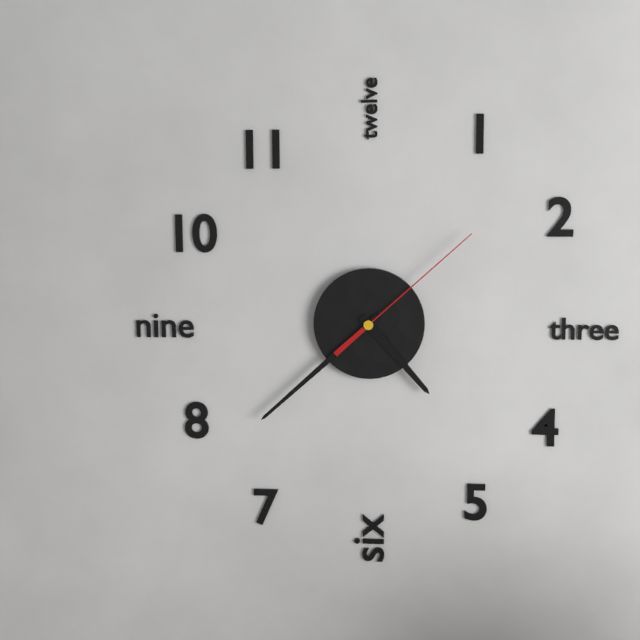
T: 4 h 38 min 08 s
